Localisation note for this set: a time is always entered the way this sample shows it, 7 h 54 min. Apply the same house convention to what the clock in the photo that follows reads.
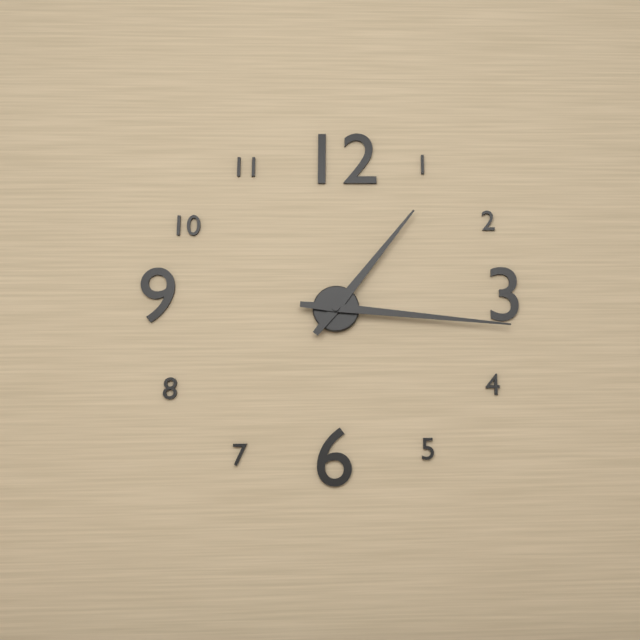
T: 1 h 16 min
